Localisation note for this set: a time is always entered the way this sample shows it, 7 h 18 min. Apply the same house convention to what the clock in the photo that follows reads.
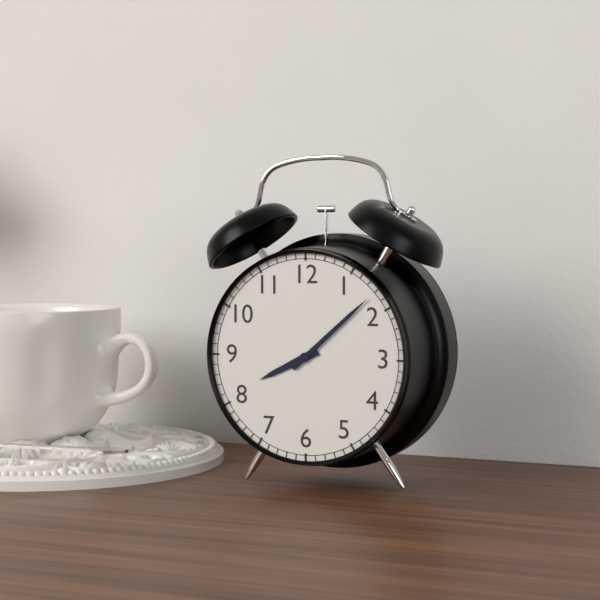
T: 8 h 08 min
